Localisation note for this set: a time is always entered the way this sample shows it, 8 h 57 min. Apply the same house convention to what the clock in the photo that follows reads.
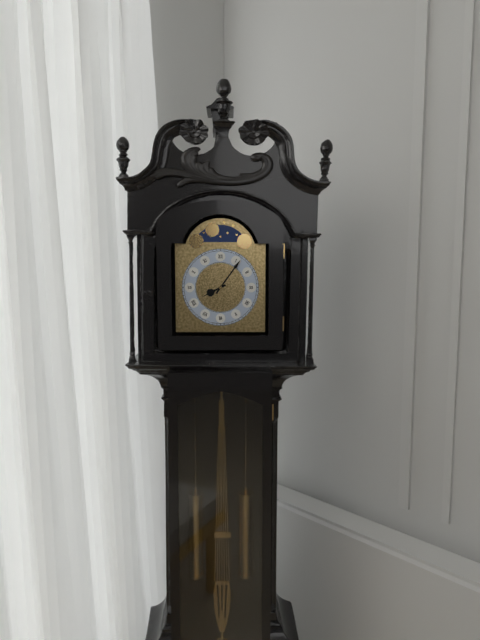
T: 8 h 06 min
